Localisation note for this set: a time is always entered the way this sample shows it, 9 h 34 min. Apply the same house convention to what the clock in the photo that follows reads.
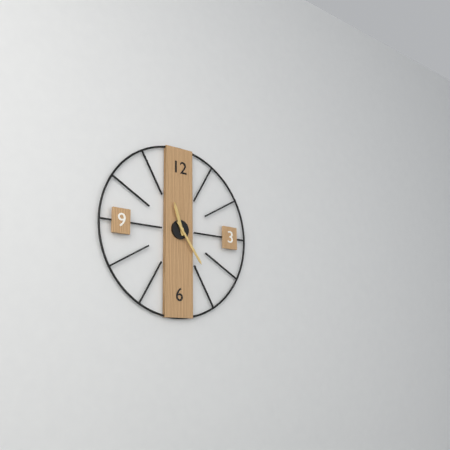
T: 11 h 24 min
